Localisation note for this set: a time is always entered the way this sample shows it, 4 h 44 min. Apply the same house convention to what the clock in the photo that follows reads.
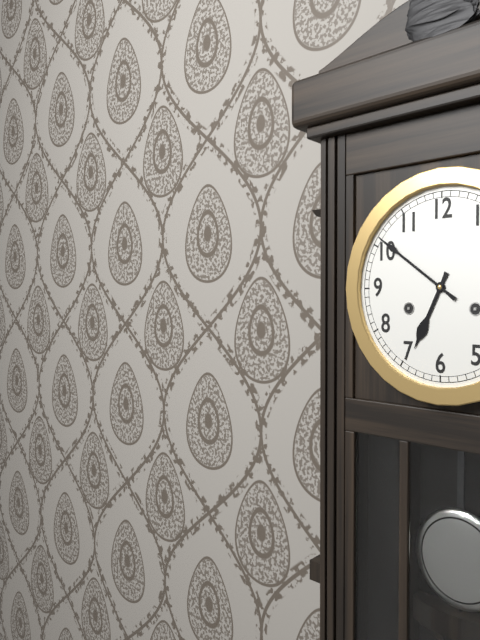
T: 6 h 51 min
